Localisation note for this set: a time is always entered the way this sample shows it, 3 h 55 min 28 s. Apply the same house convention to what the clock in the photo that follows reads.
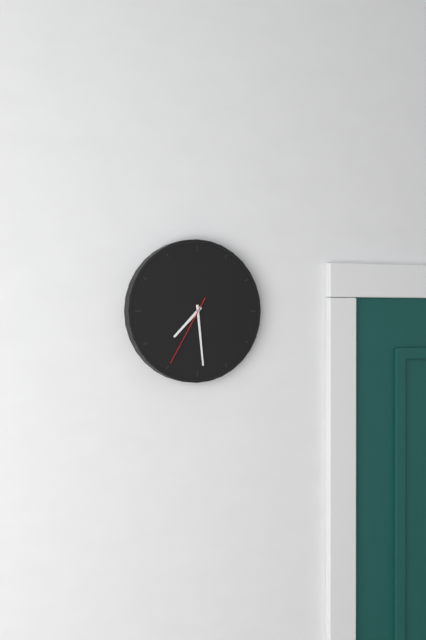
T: 7 h 29 min 35 s
